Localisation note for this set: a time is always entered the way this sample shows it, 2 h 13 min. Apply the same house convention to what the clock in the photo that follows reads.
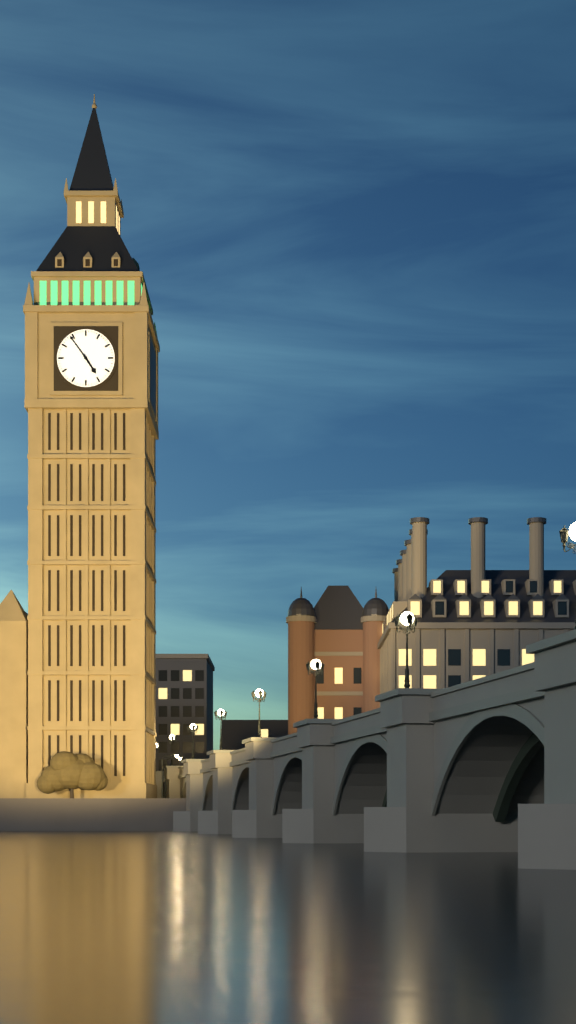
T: 4 h 54 min
